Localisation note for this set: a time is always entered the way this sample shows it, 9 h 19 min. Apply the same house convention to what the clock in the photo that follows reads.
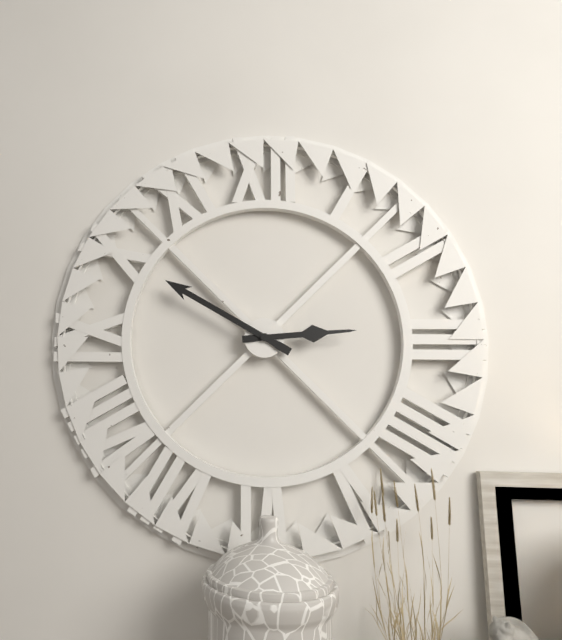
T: 2 h 50 min
